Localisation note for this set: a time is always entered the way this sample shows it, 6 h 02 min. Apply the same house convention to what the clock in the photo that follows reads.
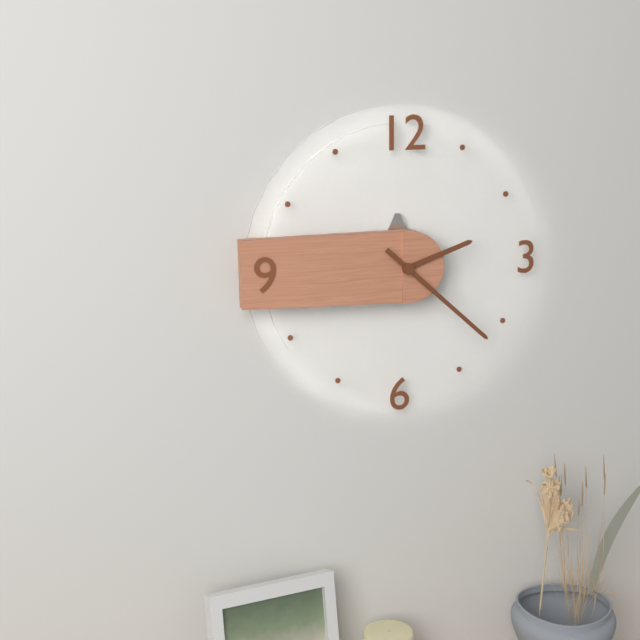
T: 2 h 22 min
